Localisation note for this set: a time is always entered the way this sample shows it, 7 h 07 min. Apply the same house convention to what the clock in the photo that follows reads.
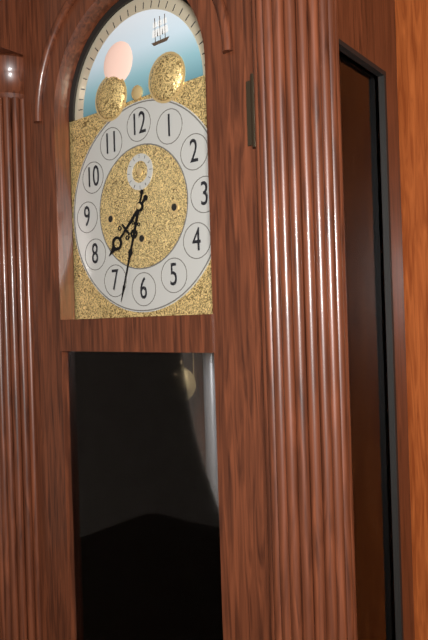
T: 7 h 33 min
